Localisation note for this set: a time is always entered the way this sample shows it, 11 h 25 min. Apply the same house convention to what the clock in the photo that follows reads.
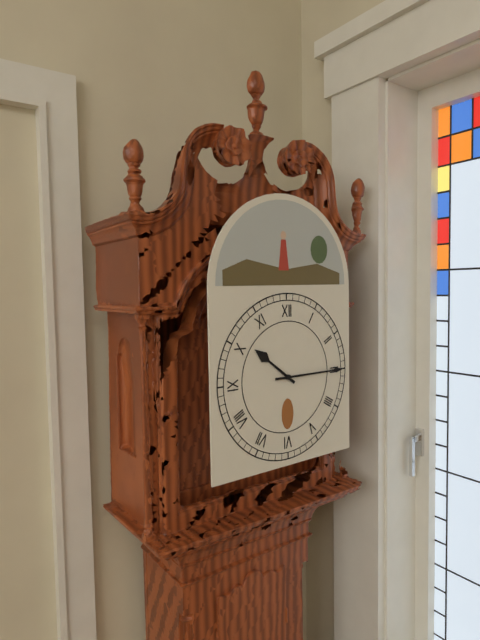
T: 10 h 15 min
